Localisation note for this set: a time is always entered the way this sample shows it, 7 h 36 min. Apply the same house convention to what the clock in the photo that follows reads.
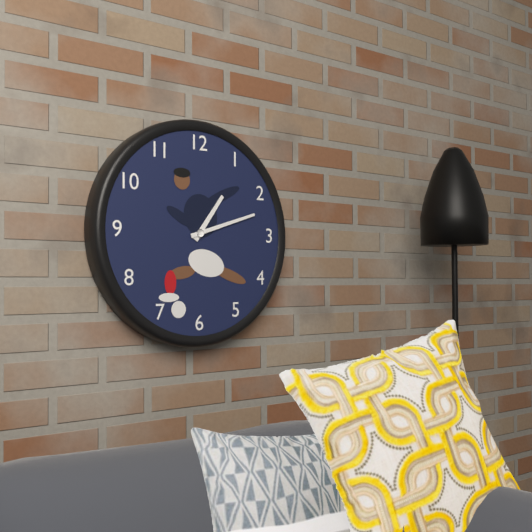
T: 1 h 12 min
